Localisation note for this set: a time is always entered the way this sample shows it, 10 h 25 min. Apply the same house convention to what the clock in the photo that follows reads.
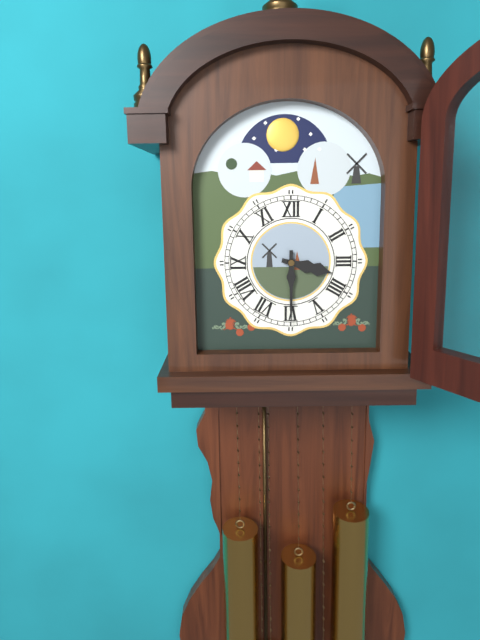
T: 3 h 30 min
